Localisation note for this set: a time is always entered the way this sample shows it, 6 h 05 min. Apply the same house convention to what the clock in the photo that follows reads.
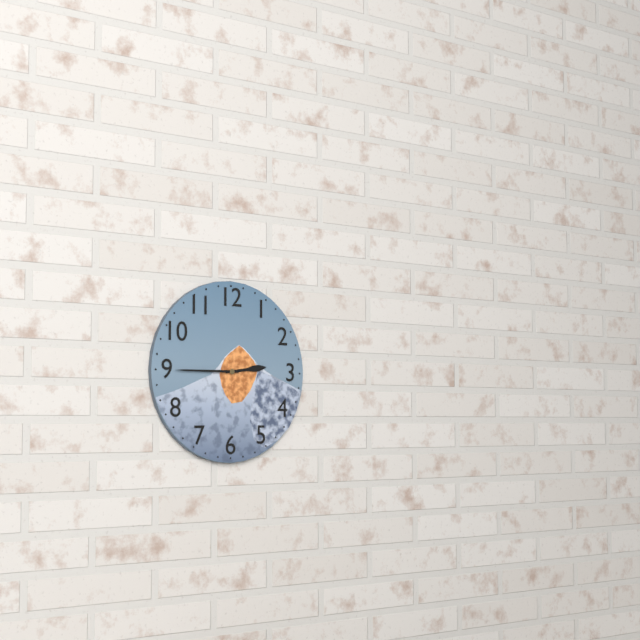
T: 2 h 45 min
